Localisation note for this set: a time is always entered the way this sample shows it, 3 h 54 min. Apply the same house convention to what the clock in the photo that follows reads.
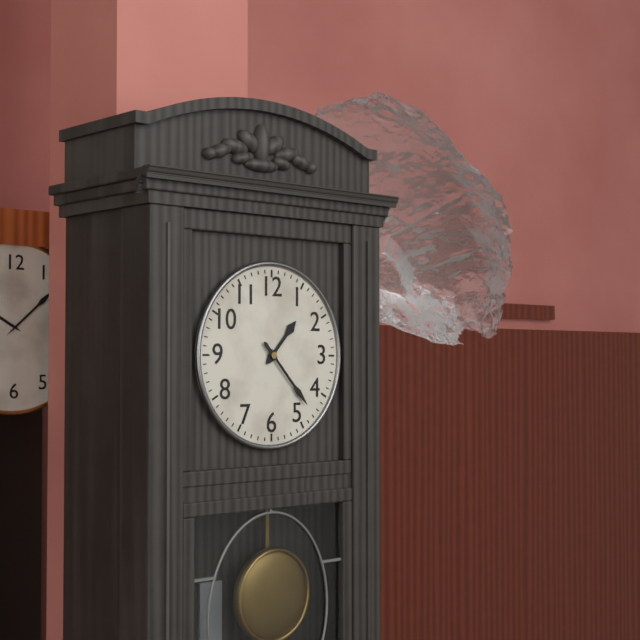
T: 1 h 23 min
